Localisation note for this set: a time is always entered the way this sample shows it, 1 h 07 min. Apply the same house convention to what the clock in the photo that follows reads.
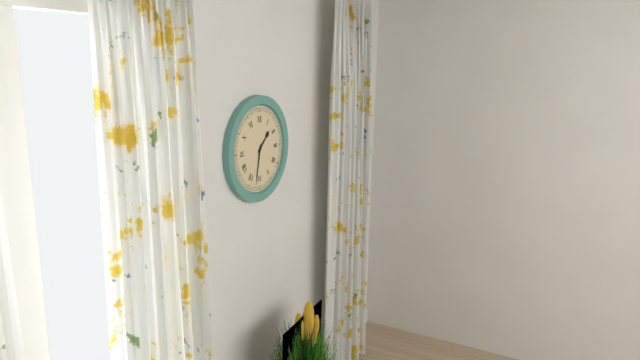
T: 1 h 32 min
